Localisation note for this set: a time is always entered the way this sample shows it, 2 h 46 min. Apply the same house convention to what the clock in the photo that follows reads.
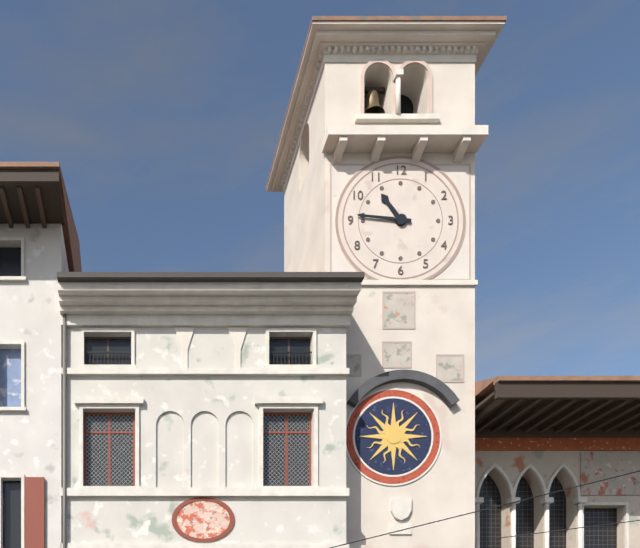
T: 10 h 46 min
